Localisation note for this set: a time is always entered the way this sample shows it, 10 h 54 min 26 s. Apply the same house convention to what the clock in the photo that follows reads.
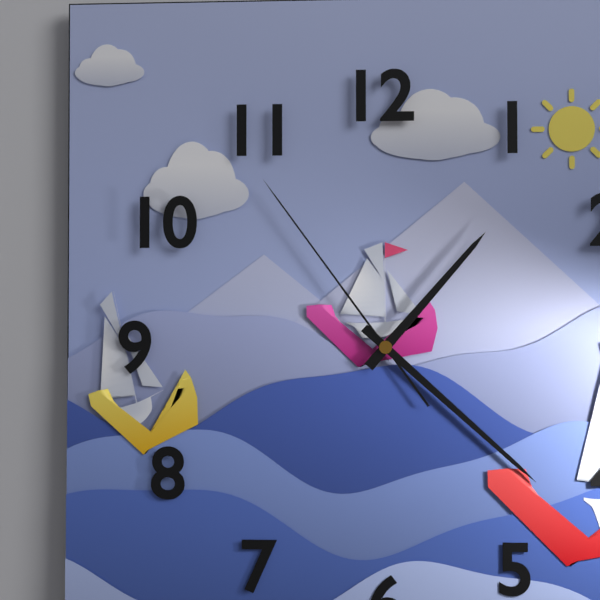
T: 1 h 22 min 54 s
